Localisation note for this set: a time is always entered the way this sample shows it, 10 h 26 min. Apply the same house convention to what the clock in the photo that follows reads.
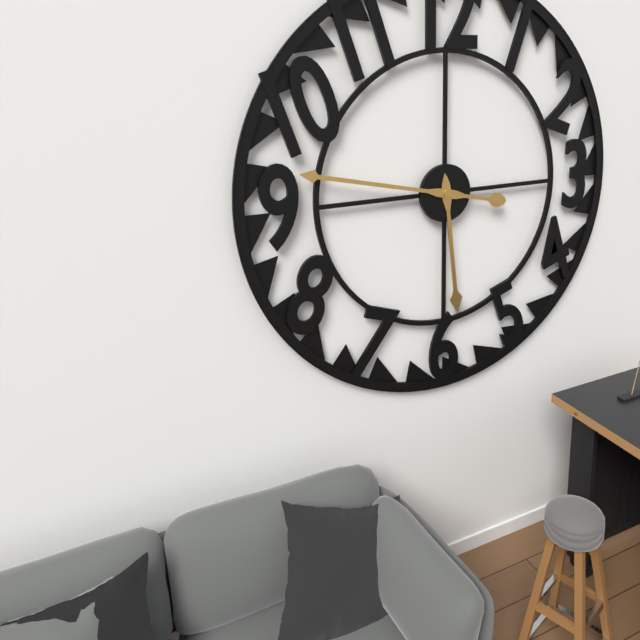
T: 5 h 47 min
